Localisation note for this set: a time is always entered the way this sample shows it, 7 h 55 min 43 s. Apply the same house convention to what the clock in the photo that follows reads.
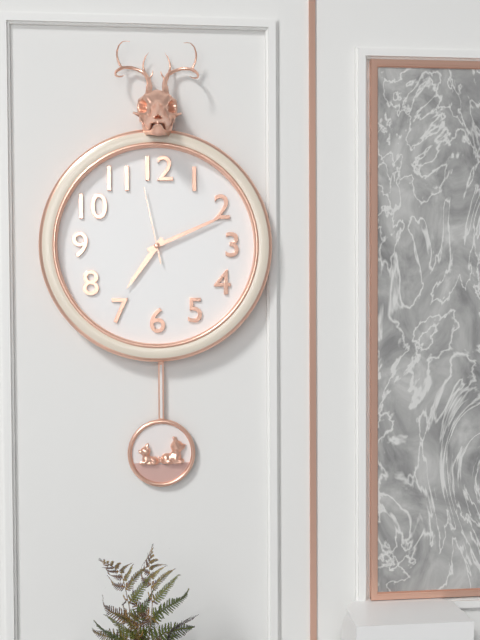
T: 7 h 11 min 58 s
